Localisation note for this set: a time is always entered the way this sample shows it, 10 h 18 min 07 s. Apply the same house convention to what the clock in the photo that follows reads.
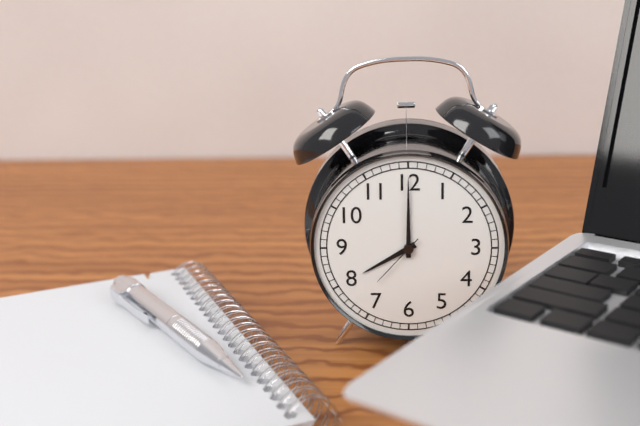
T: 8 h 00 min 37 s
